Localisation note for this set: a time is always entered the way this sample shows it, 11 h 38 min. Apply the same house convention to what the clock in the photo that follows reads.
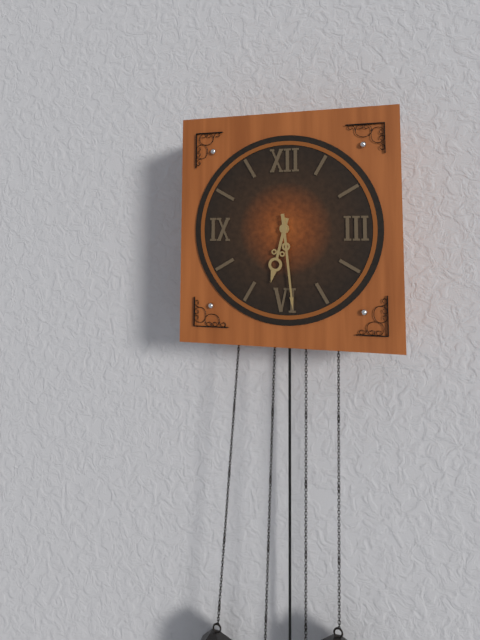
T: 6 h 29 min
